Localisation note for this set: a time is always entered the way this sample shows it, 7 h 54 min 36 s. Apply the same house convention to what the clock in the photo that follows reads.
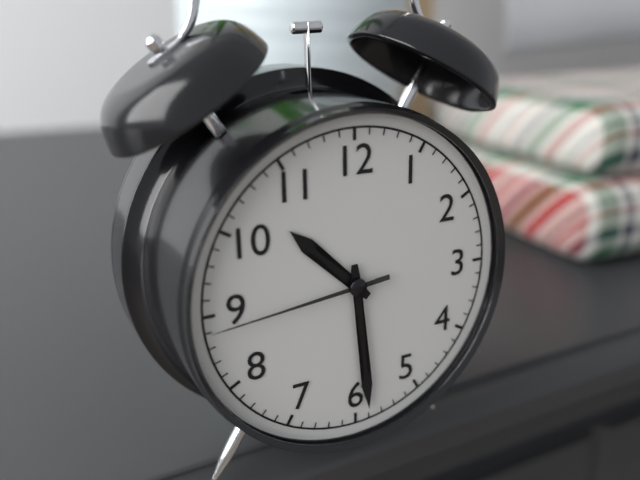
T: 10 h 29 min 44 s
